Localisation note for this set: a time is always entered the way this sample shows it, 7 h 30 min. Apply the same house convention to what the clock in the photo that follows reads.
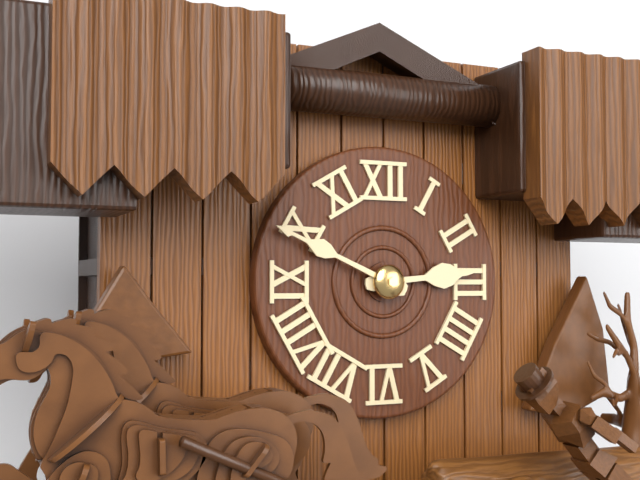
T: 2 h 49 min
